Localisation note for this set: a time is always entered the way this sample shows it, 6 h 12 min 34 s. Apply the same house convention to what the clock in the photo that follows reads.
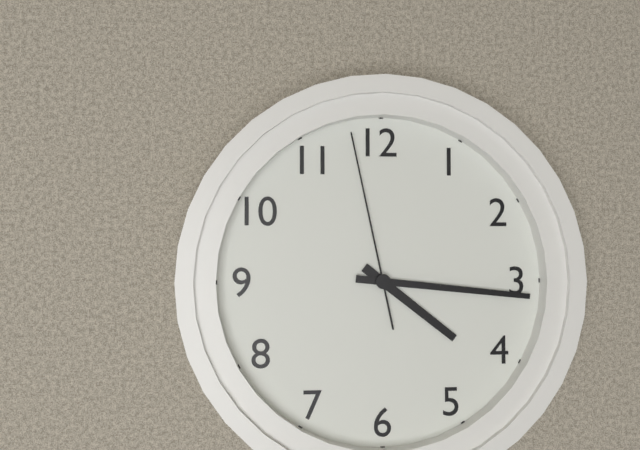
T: 4 h 16 min 58 s
